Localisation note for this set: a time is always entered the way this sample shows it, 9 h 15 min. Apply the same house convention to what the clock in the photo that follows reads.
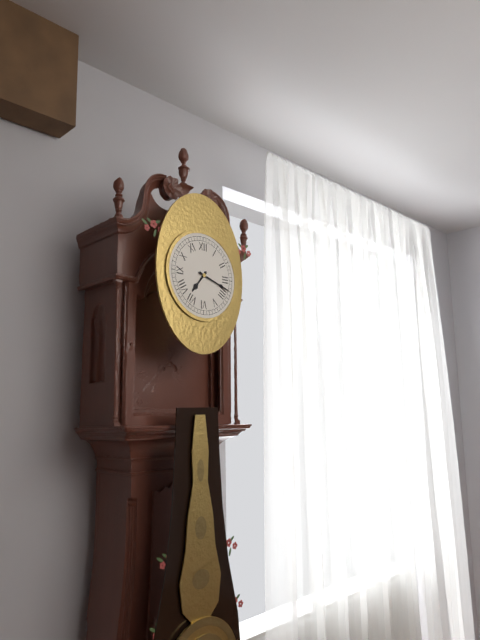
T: 7 h 18 min
